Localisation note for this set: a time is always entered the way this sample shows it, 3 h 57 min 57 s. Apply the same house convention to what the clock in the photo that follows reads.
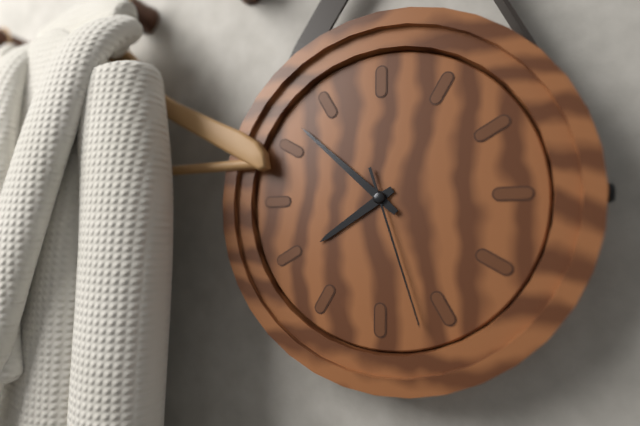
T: 7 h 52 min 27 s
